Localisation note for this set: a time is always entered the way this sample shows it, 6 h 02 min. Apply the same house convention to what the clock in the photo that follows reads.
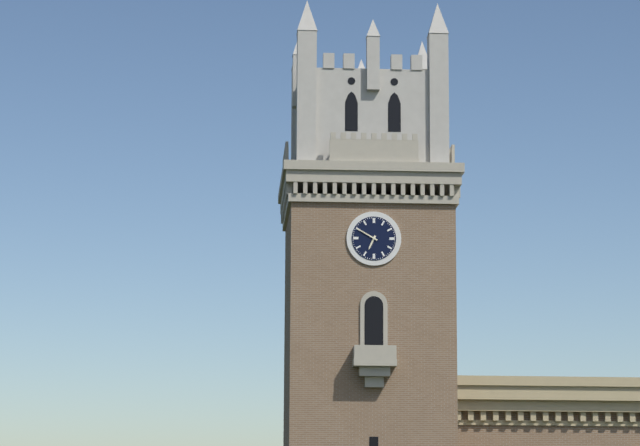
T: 6 h 50 min
